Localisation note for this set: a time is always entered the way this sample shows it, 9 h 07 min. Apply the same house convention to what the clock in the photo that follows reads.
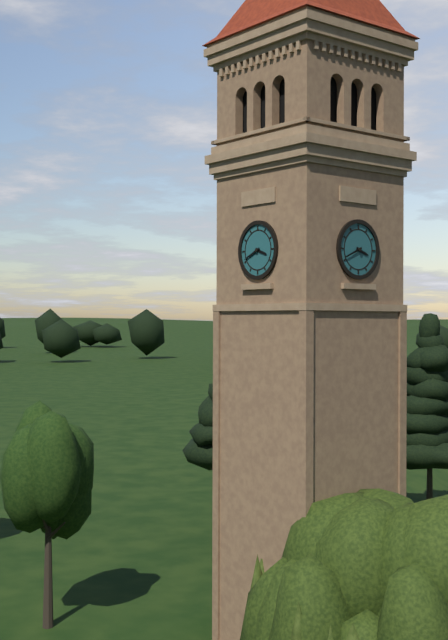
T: 3 h 41 min
